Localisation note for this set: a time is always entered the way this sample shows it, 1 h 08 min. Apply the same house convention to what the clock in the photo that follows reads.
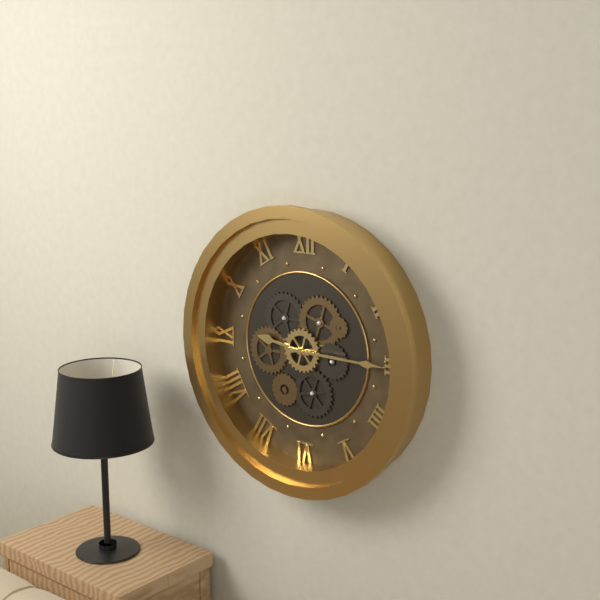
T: 9 h 15 min
